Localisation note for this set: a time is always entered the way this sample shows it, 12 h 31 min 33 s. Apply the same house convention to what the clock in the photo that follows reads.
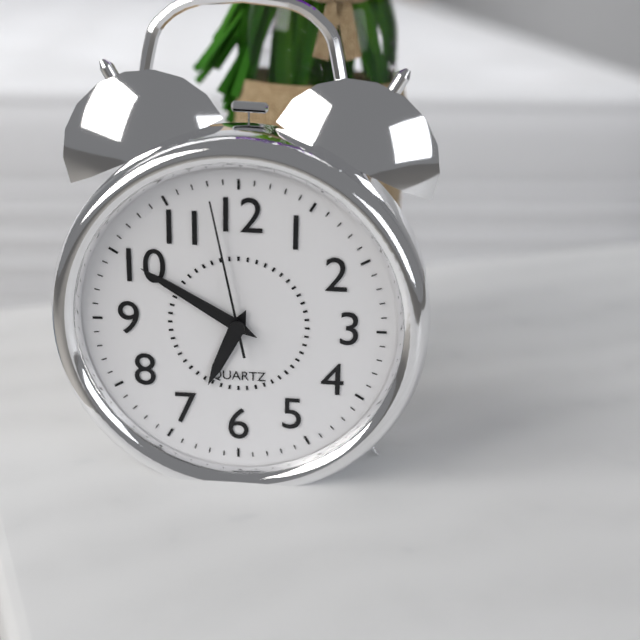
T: 6 h 50 min 58 s
